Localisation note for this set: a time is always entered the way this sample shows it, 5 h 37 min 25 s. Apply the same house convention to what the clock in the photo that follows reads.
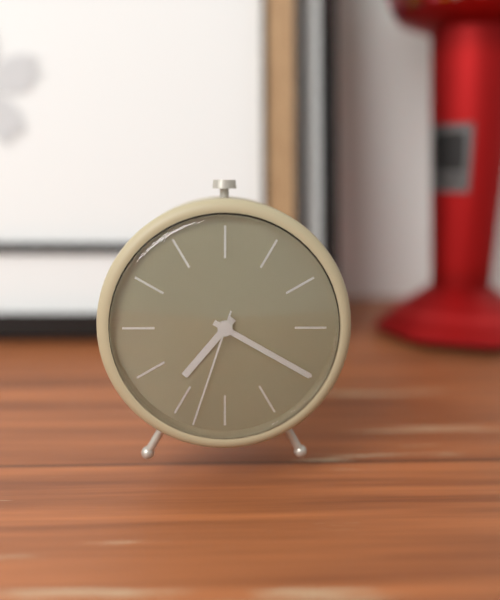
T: 7 h 20 min 33 s
